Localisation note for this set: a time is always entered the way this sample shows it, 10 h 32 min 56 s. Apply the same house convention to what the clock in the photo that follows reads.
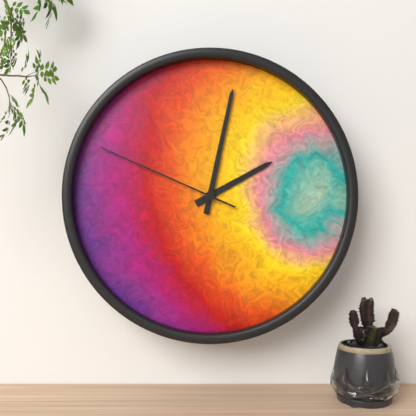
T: 2 h 02 min 49 s
